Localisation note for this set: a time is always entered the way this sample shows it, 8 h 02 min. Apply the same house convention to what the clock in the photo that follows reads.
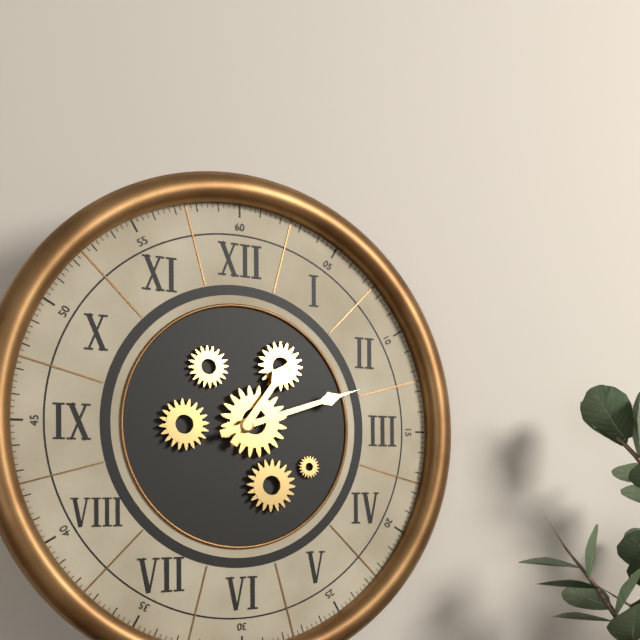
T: 1 h 12 min
